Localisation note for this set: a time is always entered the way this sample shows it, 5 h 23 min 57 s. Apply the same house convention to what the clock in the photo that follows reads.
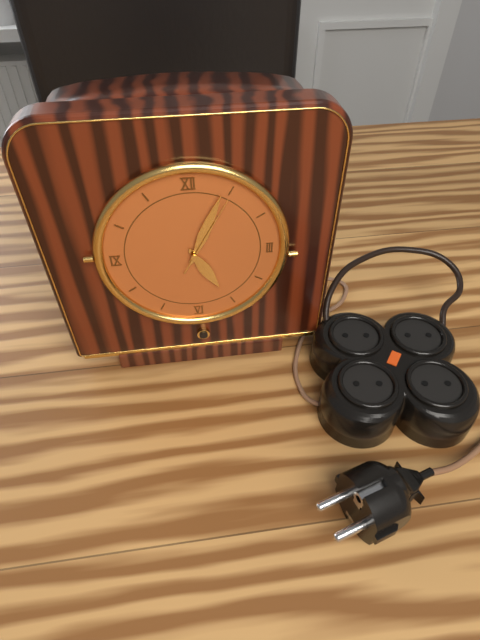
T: 5 h 04 min 05 s
